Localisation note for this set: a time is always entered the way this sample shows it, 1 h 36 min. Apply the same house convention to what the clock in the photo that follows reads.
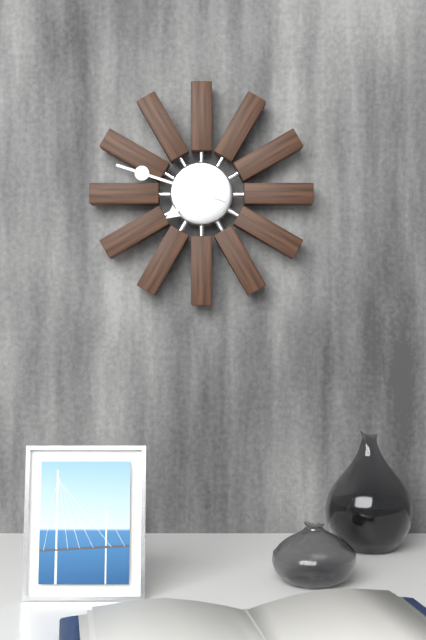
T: 7 h 48 min
